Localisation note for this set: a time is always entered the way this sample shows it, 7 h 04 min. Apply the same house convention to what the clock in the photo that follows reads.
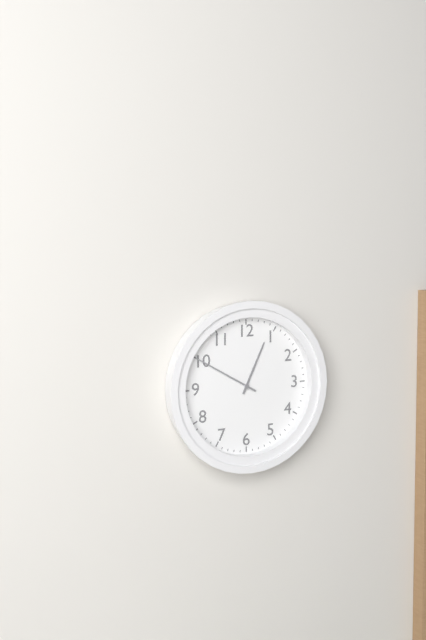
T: 12 h 50 min
